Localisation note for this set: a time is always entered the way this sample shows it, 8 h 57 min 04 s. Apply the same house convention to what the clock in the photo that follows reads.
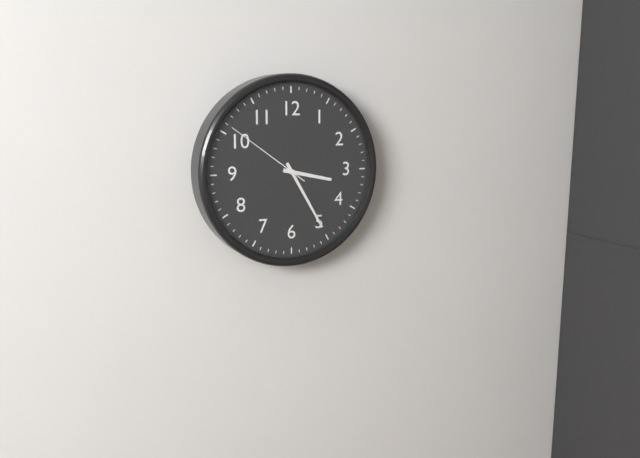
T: 3 h 25 min 51 s
